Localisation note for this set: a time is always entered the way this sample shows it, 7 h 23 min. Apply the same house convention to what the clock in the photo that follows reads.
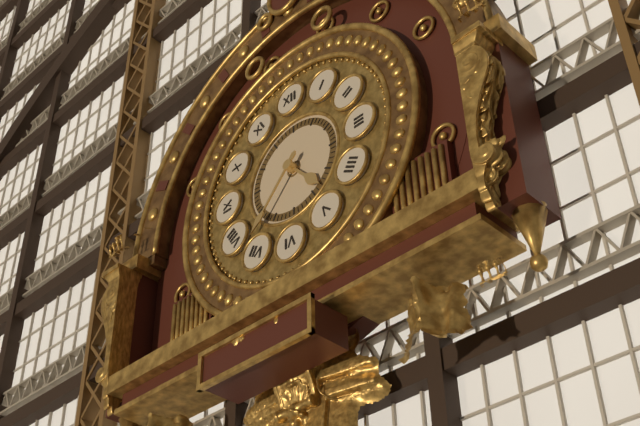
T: 4 h 37 min
